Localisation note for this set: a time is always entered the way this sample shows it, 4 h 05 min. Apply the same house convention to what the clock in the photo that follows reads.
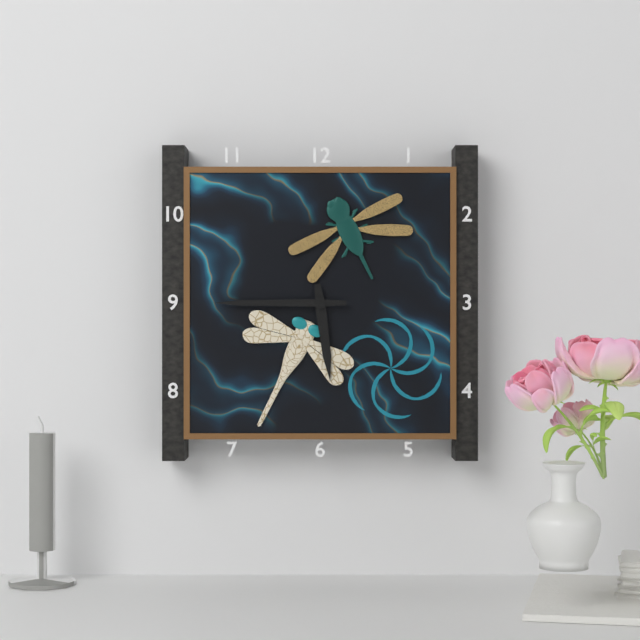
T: 5 h 45 min
